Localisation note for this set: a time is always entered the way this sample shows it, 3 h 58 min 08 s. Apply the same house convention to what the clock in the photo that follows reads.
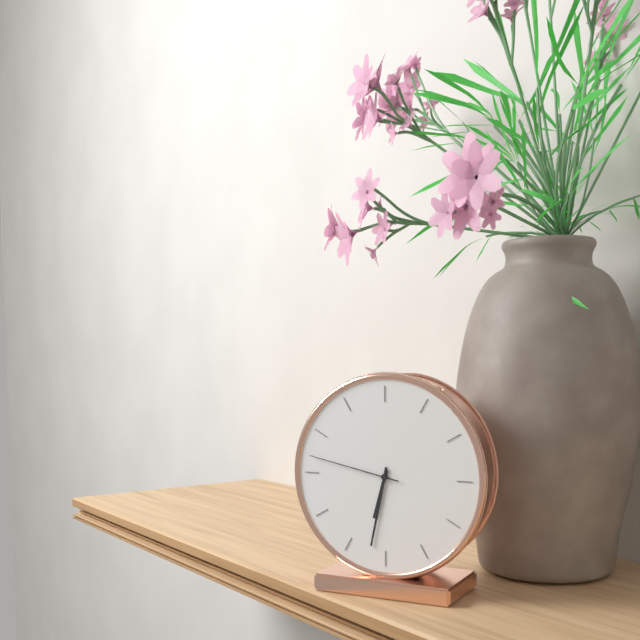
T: 6 h 32 min 47 s
